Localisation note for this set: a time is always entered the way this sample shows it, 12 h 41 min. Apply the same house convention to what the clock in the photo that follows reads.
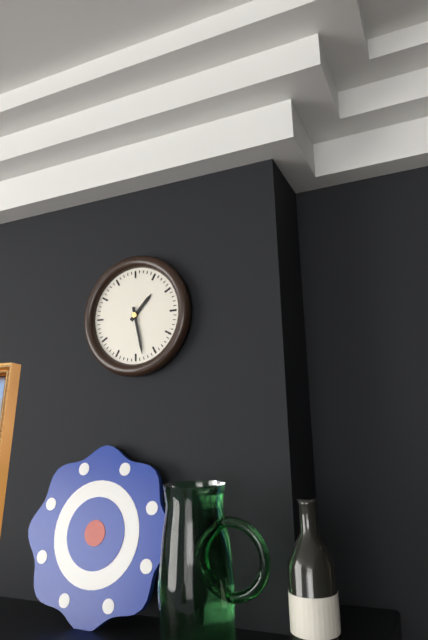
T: 1 h 28 min
